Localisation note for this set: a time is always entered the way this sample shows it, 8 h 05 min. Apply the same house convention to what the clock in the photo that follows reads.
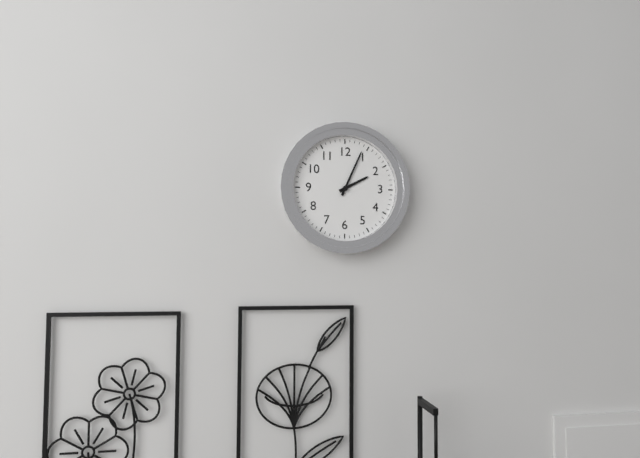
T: 2 h 04 min
